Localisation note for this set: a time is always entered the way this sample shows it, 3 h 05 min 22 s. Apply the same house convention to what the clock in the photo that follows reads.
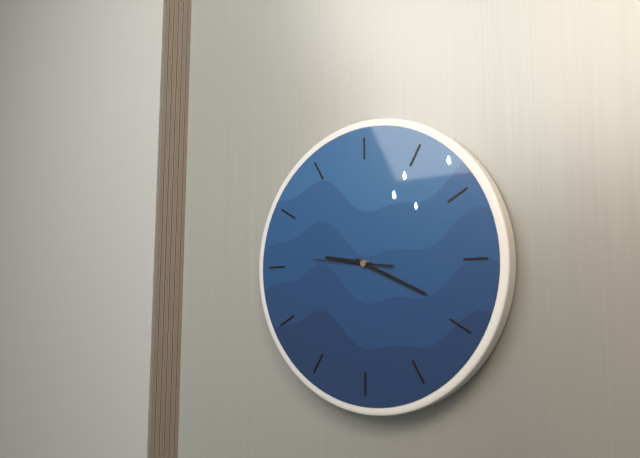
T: 9 h 19 min 46 s
